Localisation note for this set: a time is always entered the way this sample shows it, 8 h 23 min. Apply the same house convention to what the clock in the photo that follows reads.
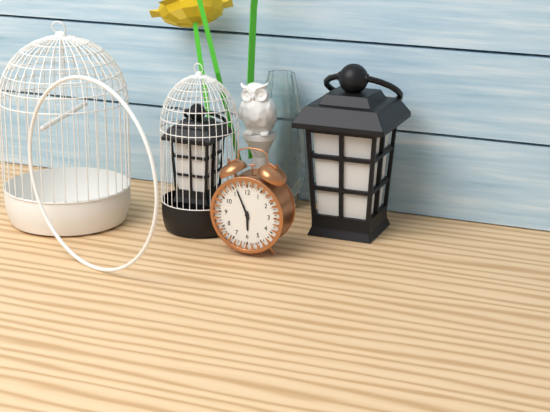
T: 5 h 56 min
